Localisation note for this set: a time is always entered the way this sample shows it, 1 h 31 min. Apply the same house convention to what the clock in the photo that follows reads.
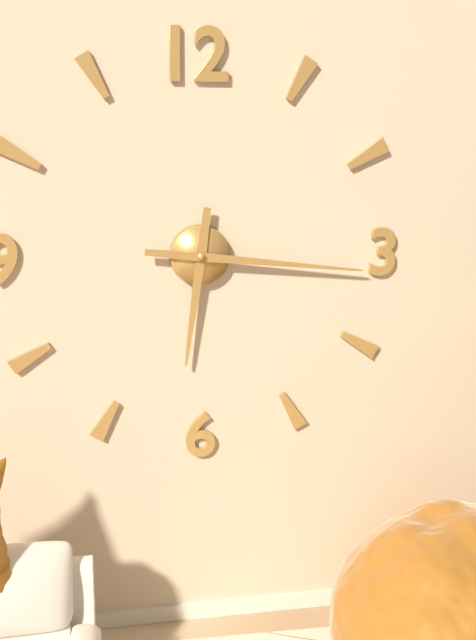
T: 6 h 16 min
